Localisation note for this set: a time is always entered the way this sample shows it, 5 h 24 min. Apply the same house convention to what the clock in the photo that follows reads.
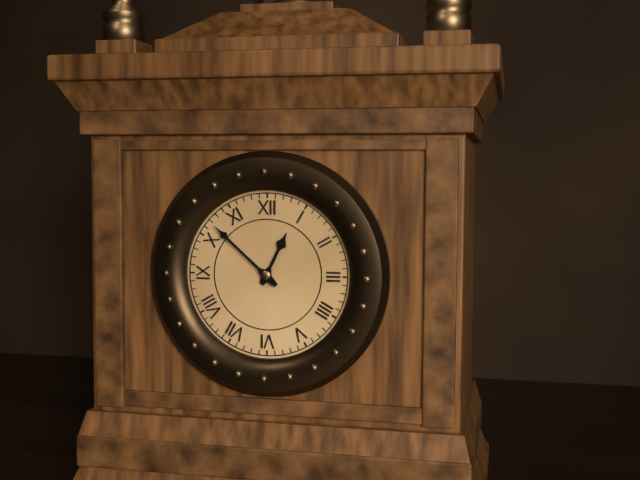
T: 12 h 52 min
